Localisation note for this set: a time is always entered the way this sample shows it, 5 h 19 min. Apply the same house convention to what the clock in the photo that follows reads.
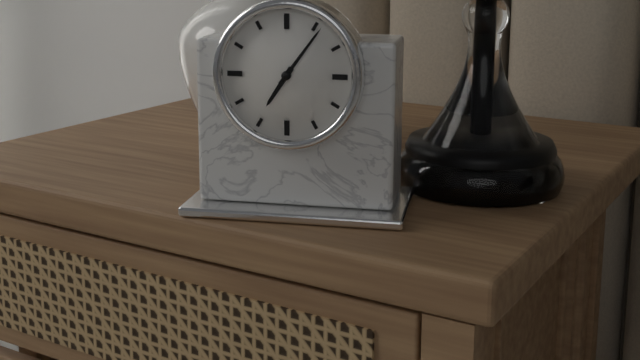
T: 7 h 06 min
